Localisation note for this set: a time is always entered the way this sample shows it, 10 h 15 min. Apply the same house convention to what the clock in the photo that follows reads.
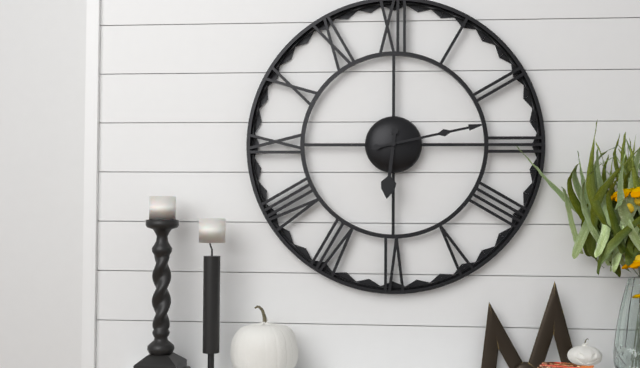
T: 6 h 13 min
